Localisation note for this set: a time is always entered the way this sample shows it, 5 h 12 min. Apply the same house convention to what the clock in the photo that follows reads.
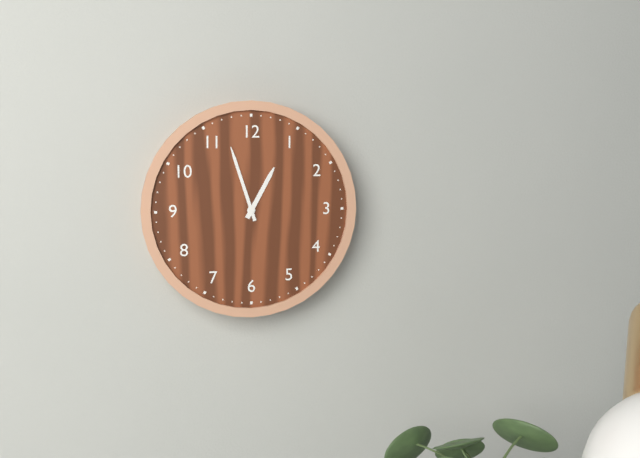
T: 12 h 57 min
